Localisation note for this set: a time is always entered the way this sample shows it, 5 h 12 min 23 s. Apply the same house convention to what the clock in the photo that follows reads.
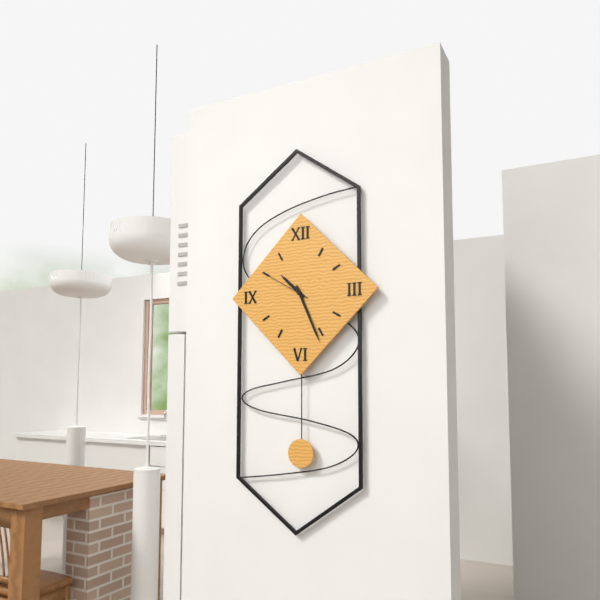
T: 10 h 26 min 50 s
